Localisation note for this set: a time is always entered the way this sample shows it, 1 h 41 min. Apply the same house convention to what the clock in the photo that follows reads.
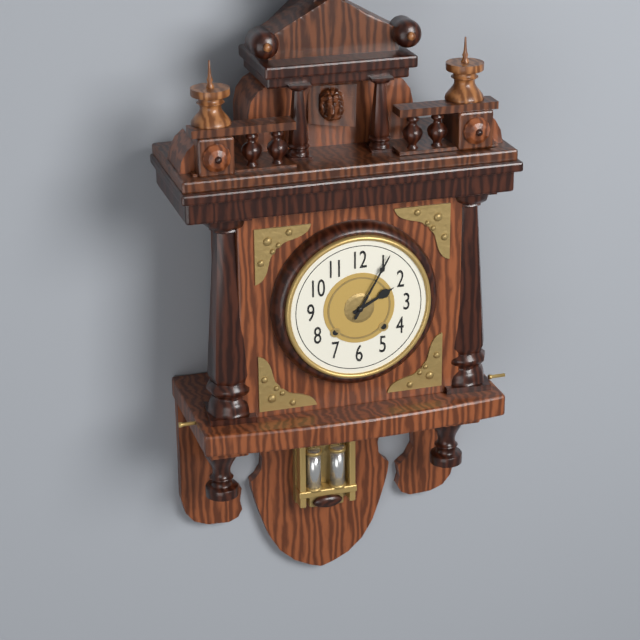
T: 2 h 05 min
